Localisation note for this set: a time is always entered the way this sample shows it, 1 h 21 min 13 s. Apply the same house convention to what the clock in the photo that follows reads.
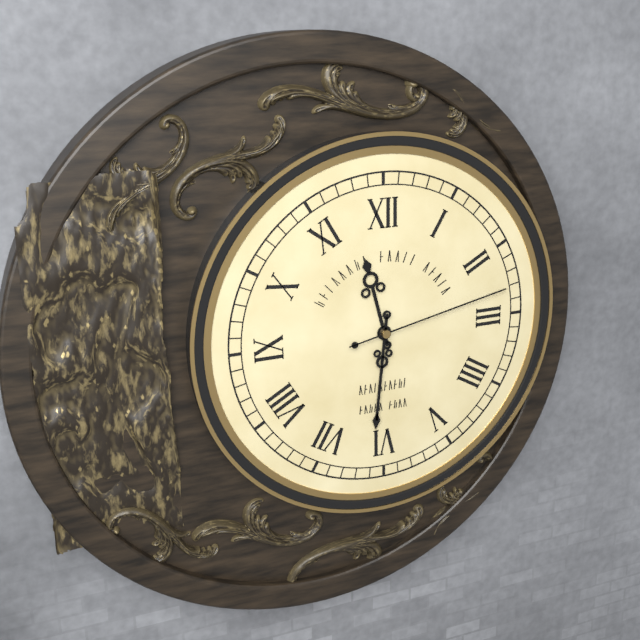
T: 11 h 31 min 13 s
